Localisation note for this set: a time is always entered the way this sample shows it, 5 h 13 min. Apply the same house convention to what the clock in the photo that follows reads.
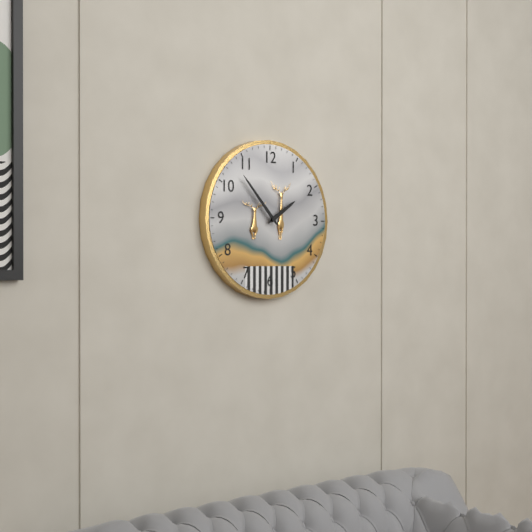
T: 1 h 53 min
